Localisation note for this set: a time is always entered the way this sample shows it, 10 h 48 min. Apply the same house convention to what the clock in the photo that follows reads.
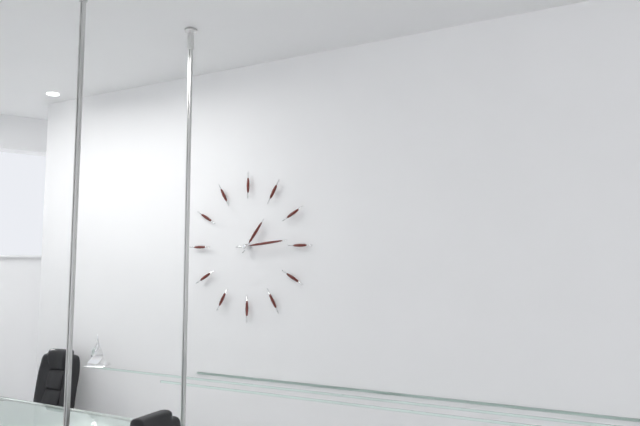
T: 1 h 14 min
